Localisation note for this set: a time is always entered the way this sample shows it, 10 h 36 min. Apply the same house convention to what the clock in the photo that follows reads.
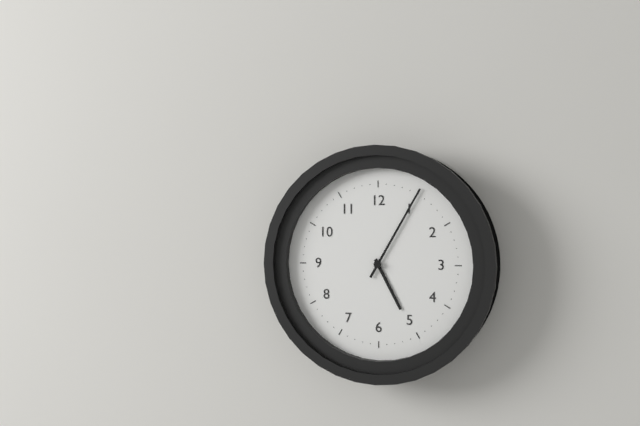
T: 5 h 05 min
